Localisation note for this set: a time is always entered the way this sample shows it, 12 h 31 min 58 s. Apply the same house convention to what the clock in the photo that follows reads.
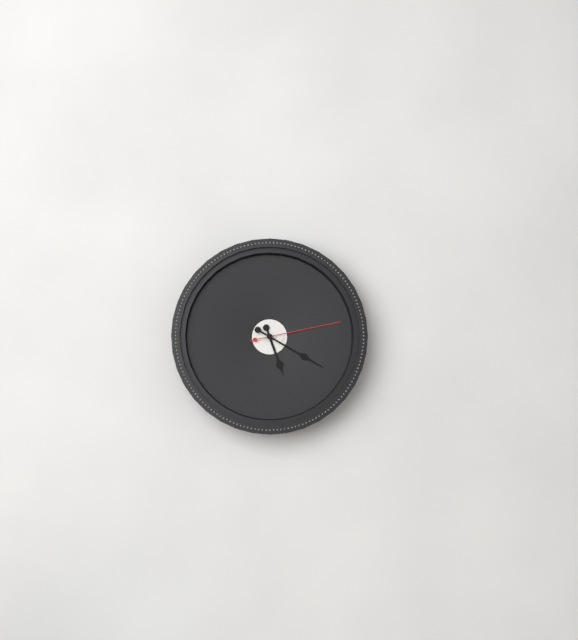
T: 5 h 20 min 13 s
